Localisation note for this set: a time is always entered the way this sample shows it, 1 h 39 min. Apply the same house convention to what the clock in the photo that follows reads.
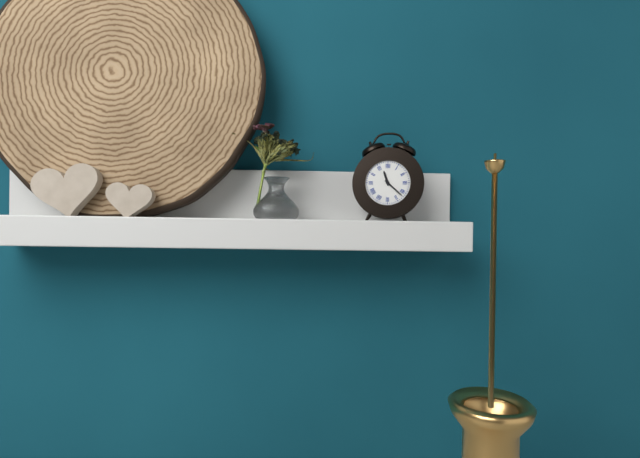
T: 11 h 22 min
